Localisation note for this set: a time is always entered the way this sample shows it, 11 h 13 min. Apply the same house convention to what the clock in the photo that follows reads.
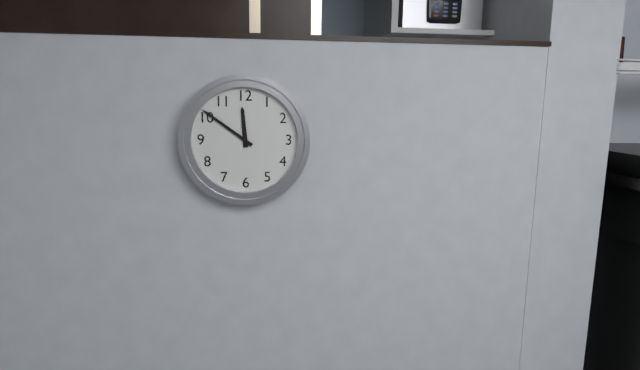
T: 11 h 51 min
